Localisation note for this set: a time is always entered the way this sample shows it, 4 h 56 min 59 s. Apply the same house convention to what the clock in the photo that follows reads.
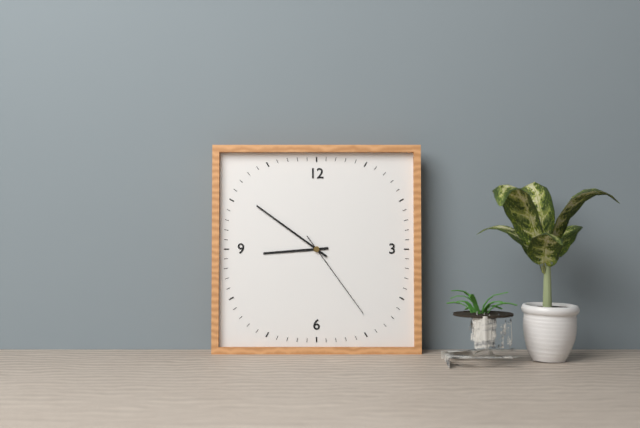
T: 8 h 51 min 24 s
